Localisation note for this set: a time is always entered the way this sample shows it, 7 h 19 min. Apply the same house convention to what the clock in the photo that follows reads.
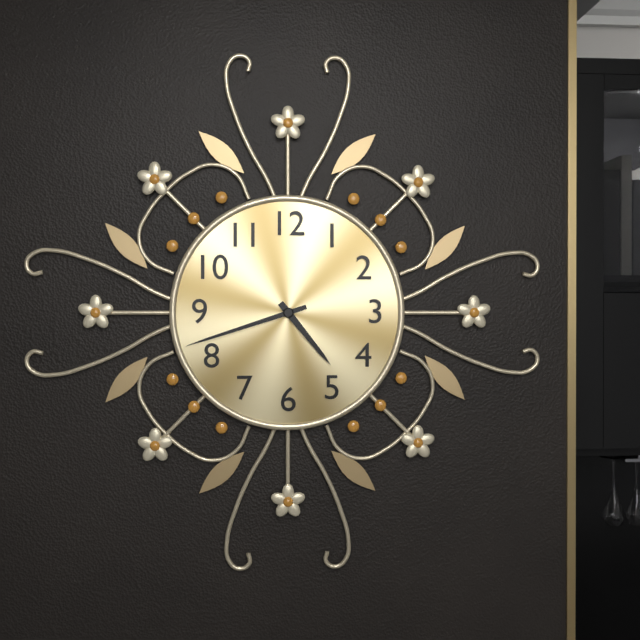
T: 4 h 42 min
